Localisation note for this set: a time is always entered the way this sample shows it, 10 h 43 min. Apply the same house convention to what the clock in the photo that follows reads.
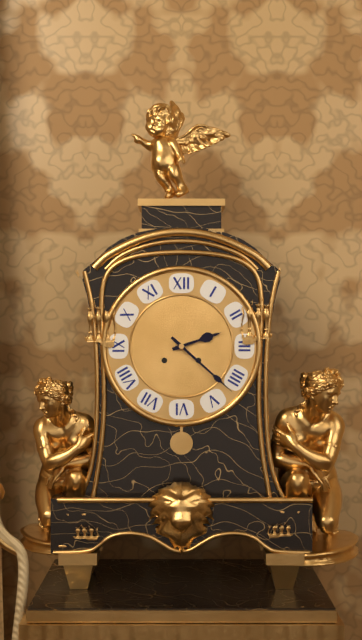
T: 2 h 22 min
